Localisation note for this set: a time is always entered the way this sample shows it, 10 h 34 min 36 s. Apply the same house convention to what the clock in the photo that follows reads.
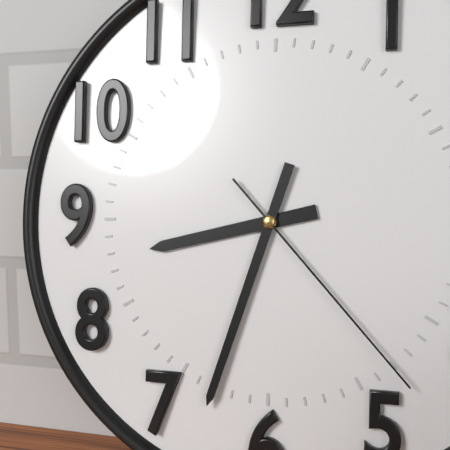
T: 8 h 33 min 23 s
